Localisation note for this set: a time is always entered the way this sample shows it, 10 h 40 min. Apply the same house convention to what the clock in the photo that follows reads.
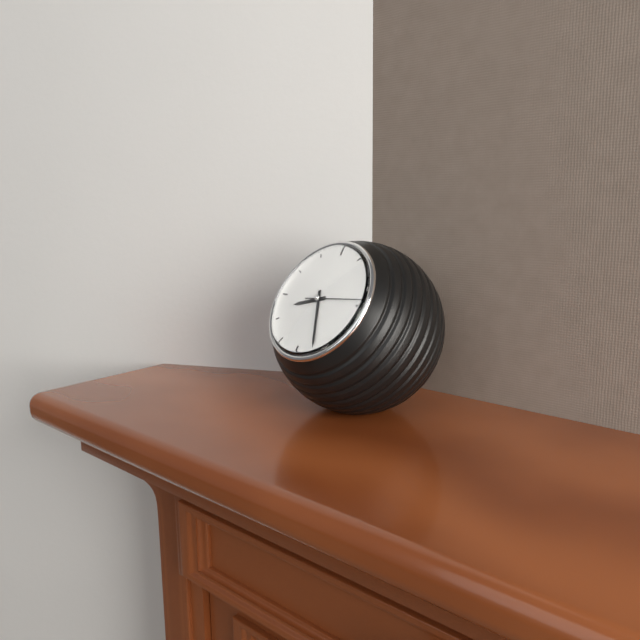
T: 8 h 26 min
